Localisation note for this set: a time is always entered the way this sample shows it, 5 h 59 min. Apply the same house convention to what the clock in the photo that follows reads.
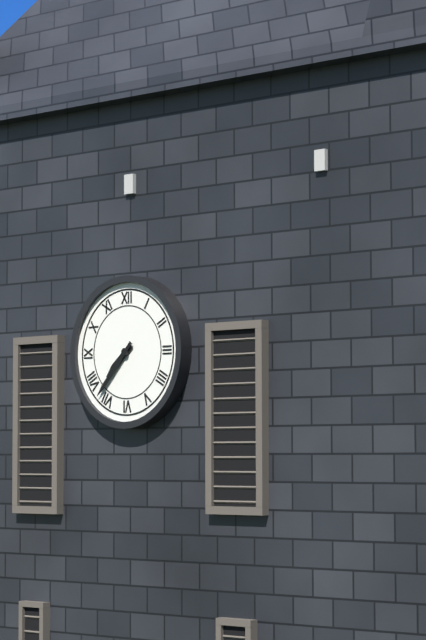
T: 7 h 37 min
